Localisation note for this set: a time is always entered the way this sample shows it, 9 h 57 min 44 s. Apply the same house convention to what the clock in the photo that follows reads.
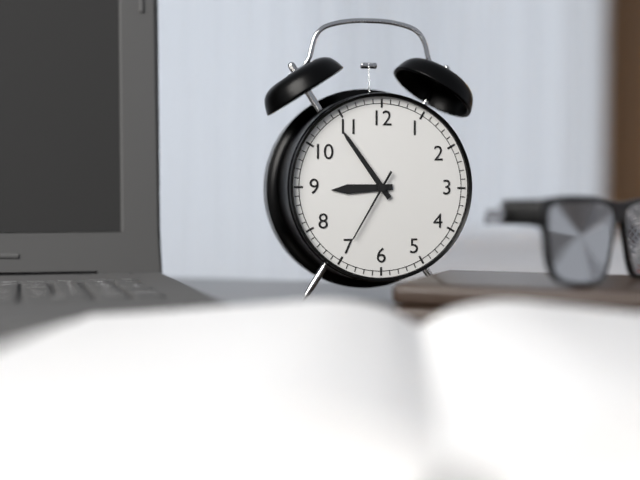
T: 8 h 54 min 35 s
